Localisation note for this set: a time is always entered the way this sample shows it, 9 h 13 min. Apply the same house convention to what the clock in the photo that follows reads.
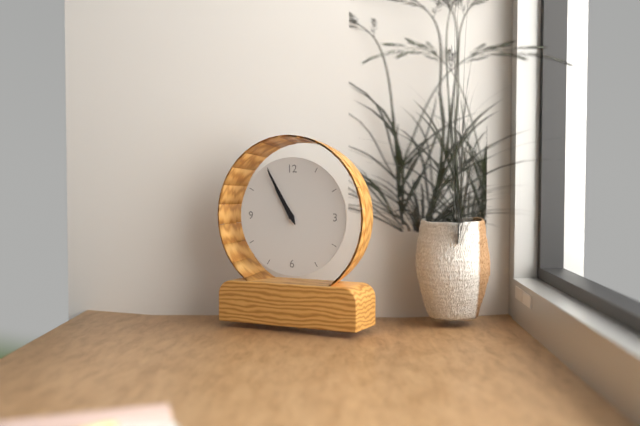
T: 10 h 55 min
